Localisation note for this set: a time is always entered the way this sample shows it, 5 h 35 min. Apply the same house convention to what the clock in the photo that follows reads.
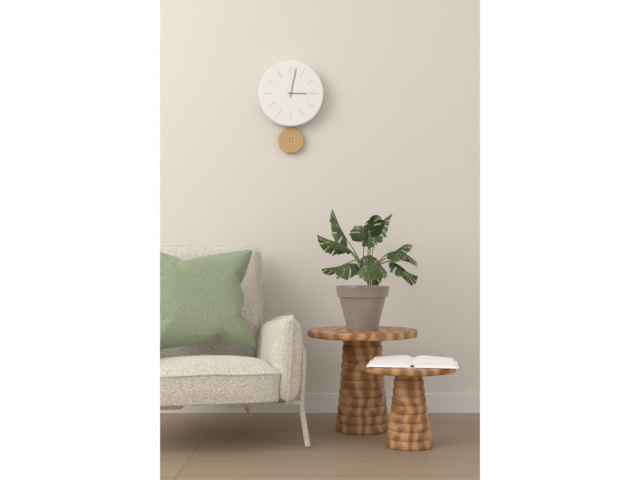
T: 3 h 02 min
